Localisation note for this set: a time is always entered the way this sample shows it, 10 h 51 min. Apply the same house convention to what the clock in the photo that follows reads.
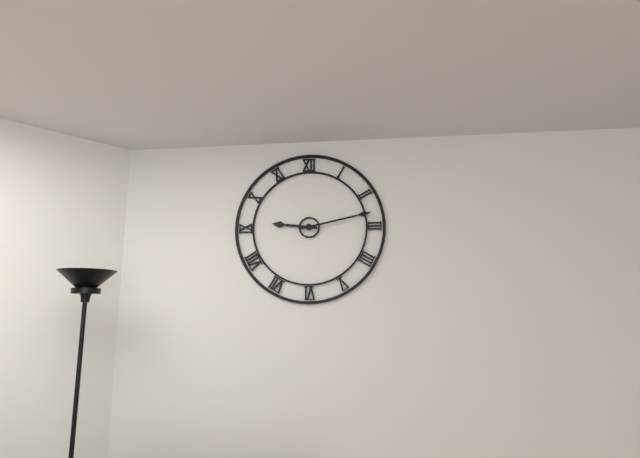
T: 9 h 13 min
